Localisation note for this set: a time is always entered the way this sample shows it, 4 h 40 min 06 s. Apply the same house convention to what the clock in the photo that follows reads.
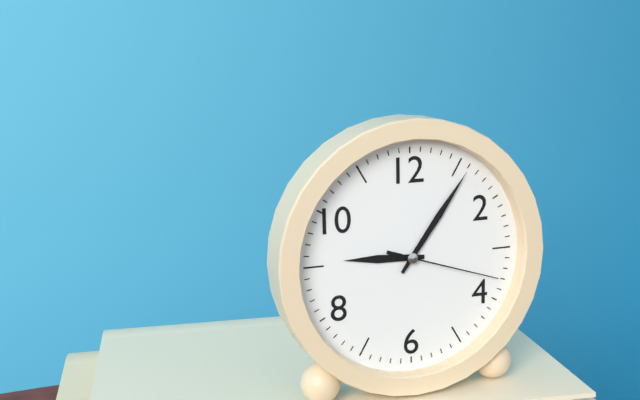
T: 9 h 06 min 18 s
